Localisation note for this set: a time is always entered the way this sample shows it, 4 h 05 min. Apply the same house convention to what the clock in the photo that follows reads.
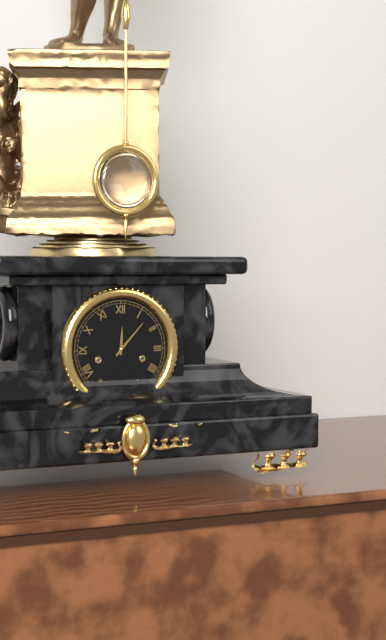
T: 12 h 07 min
